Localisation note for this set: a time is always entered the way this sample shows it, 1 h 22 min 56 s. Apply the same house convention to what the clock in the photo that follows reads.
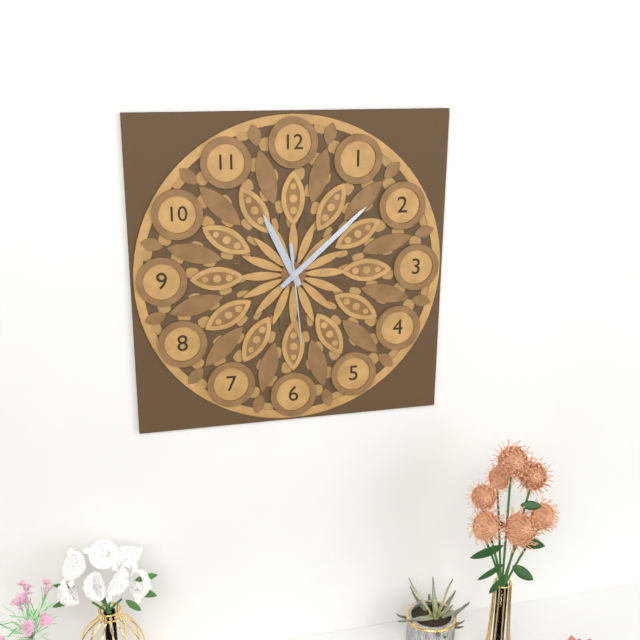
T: 11 h 08 min 29 s
